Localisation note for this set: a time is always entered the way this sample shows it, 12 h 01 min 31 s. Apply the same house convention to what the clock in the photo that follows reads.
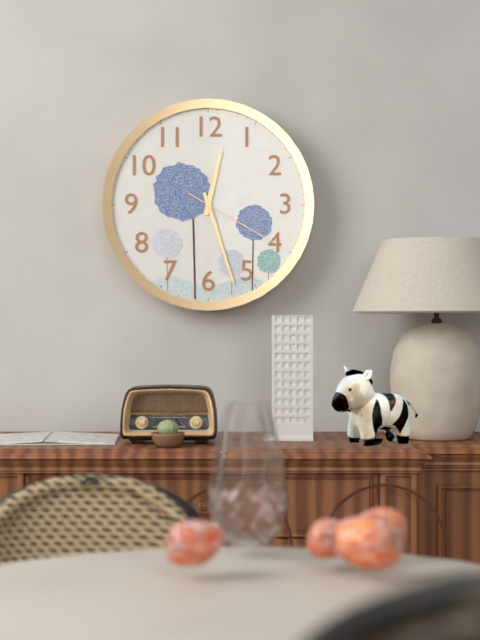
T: 12 h 27 min 20 s
